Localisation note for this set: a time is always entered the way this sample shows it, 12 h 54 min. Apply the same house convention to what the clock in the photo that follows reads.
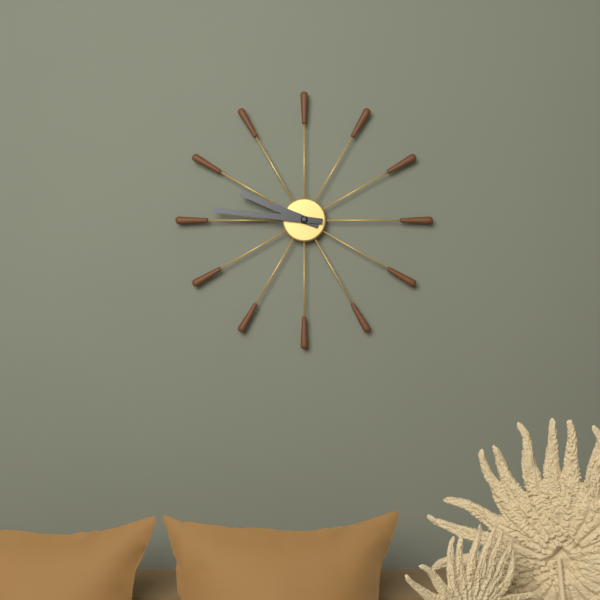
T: 9 h 46 min
